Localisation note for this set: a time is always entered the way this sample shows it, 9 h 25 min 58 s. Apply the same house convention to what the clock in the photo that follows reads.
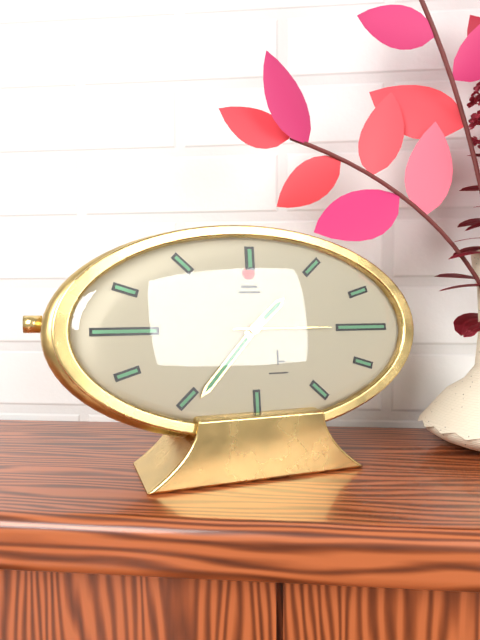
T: 1 h 37 min 15 s
